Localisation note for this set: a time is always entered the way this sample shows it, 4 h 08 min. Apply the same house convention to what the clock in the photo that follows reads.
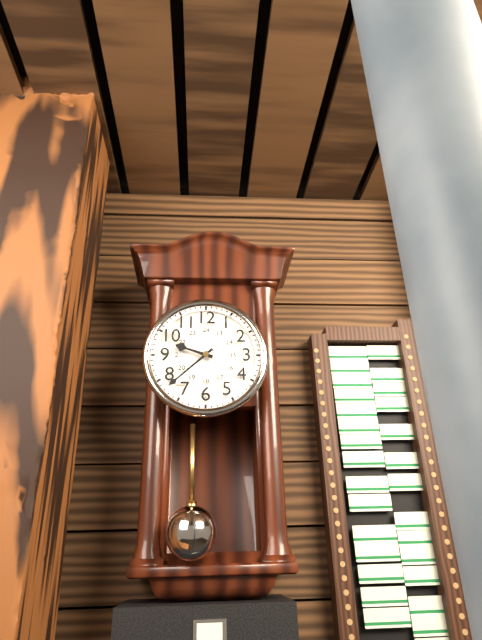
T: 9 h 38 min
